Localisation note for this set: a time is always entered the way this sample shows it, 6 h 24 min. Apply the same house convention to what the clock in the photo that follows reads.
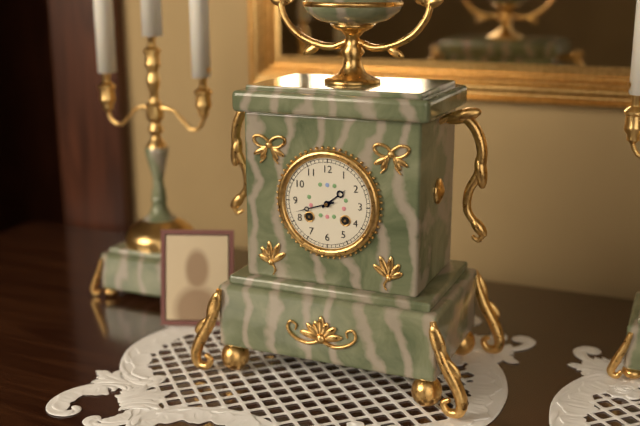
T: 1 h 42 min
